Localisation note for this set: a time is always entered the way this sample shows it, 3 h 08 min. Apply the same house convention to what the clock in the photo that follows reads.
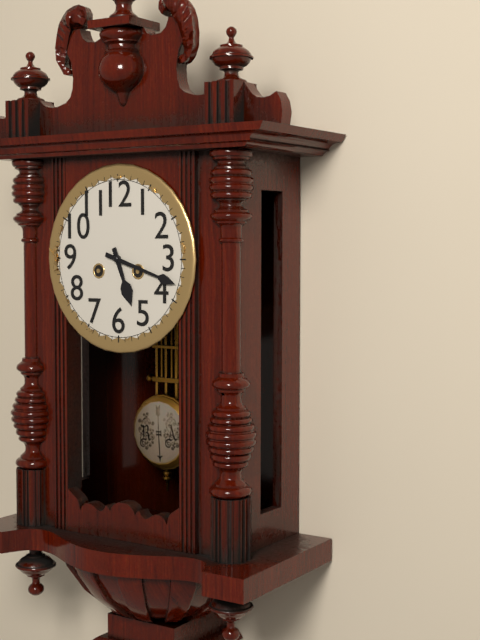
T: 5 h 18 min
